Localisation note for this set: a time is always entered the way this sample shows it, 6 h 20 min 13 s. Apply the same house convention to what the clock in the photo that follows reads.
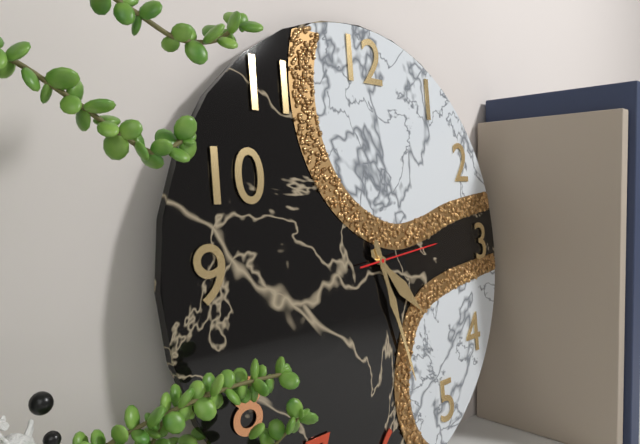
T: 4 h 27 min 14 s
